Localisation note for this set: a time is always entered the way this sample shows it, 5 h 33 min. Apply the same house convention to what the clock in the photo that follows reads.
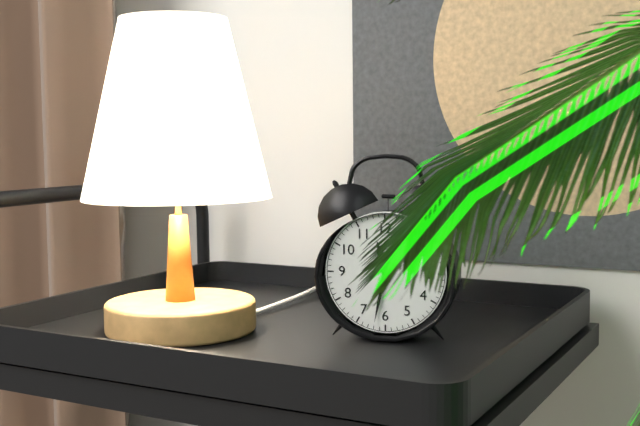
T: 11 h 32 min
